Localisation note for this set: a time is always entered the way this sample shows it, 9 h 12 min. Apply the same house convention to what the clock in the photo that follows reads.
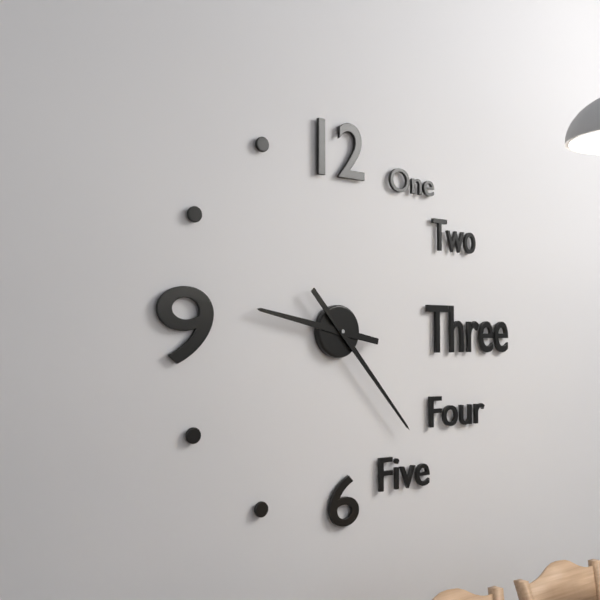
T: 9 h 23 min
